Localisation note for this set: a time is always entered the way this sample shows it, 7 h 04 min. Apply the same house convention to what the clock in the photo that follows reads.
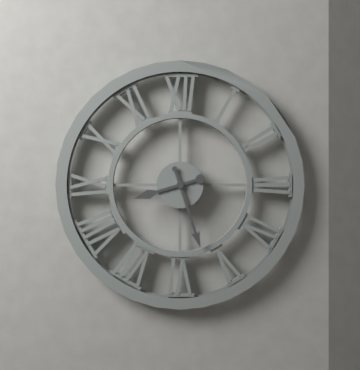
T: 8 h 27 min
